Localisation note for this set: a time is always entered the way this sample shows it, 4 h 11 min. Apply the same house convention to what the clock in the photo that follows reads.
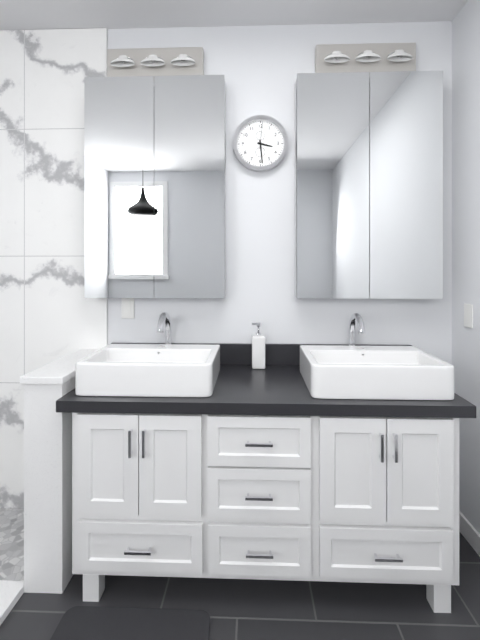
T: 3 h 29 min
